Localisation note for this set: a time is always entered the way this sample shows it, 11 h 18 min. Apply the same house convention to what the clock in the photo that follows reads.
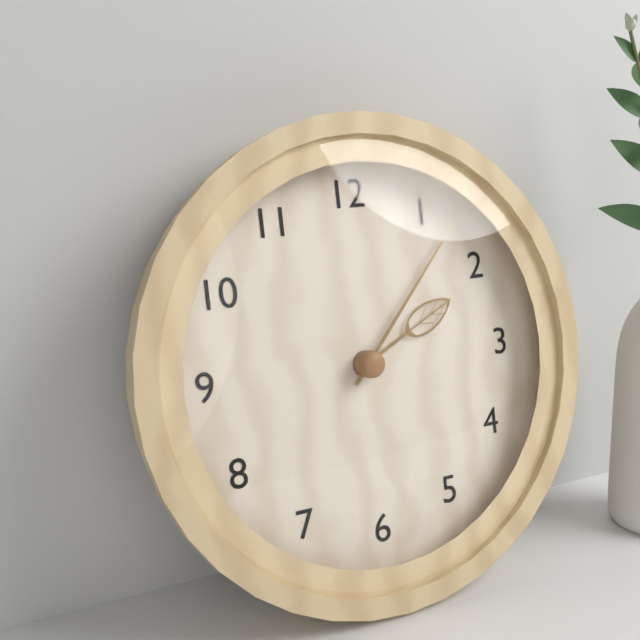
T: 2 h 07 min
